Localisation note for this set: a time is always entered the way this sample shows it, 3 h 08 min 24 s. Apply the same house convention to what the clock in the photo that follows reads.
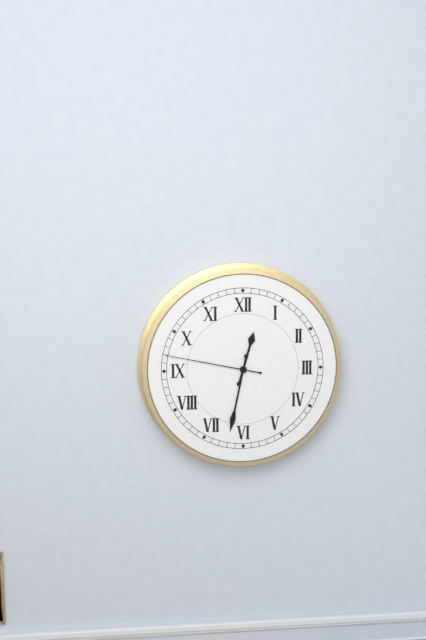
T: 12 h 32 min 47 s
